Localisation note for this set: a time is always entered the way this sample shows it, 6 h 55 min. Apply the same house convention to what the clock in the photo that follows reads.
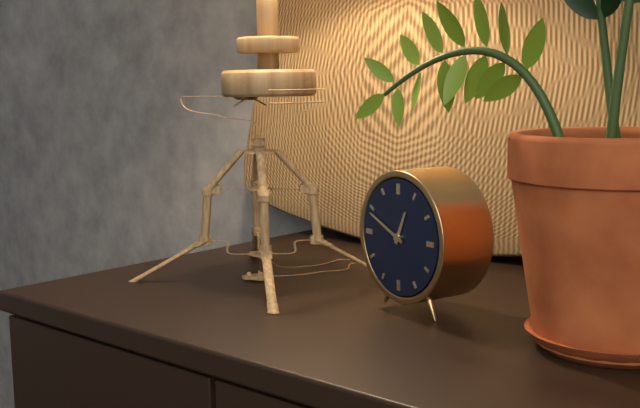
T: 12 h 49 min
